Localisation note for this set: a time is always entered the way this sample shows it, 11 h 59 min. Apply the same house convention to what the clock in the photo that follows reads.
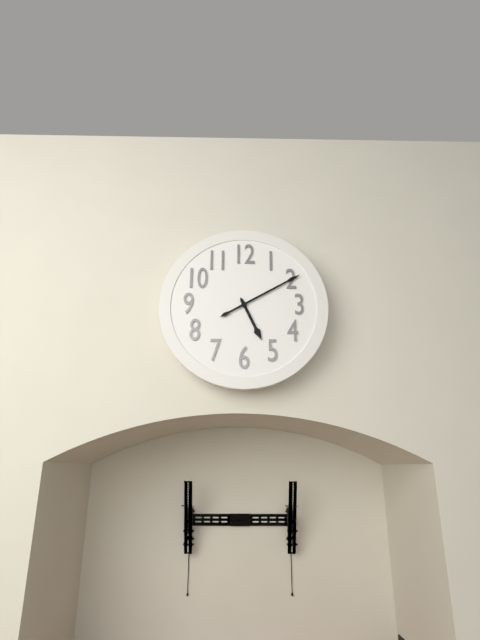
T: 5 h 10 min
